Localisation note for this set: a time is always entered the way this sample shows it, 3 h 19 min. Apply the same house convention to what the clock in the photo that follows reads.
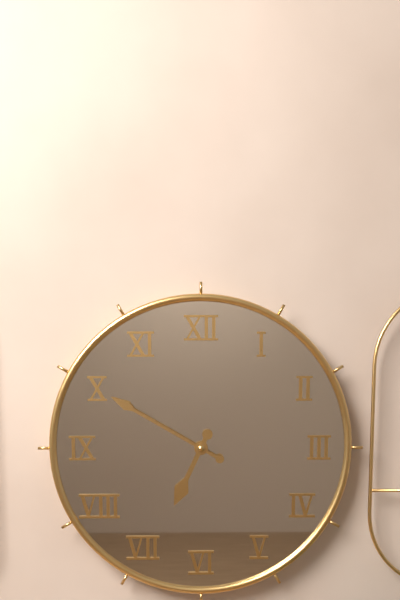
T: 6 h 50 min
